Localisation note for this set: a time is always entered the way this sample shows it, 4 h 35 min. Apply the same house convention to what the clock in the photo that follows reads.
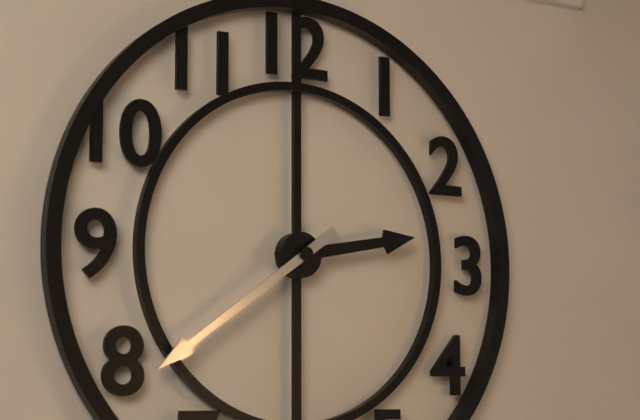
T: 2 h 39 min
